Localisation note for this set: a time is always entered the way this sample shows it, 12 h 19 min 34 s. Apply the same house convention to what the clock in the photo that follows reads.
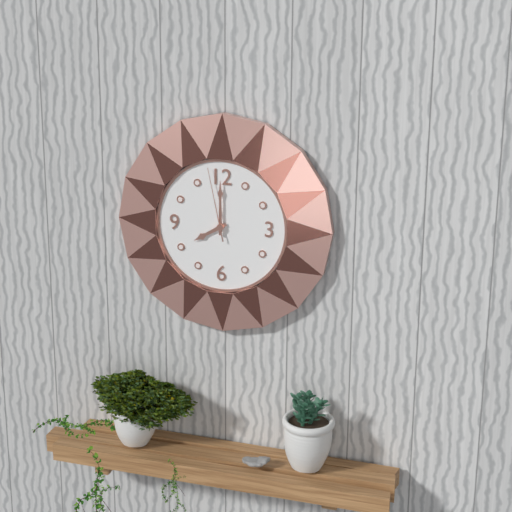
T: 8 h 00 min 58 s
